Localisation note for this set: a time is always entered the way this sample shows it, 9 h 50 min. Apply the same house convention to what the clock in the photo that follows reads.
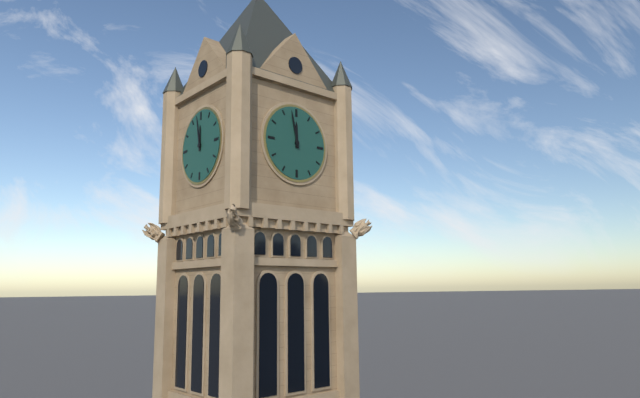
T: 11 h 58 min
